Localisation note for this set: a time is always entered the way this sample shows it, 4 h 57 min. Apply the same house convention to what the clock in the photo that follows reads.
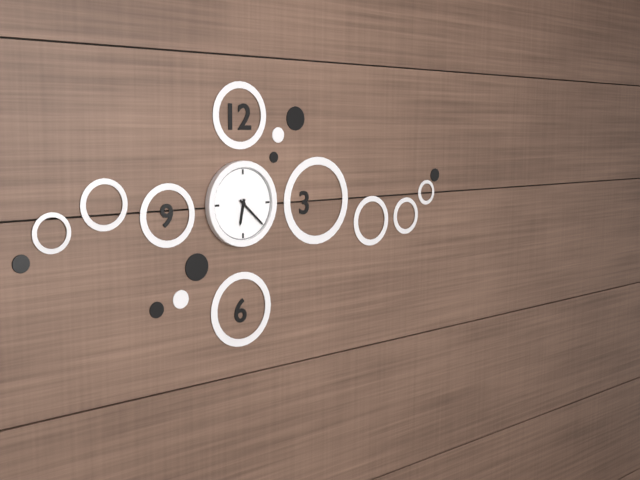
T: 6 h 22 min
